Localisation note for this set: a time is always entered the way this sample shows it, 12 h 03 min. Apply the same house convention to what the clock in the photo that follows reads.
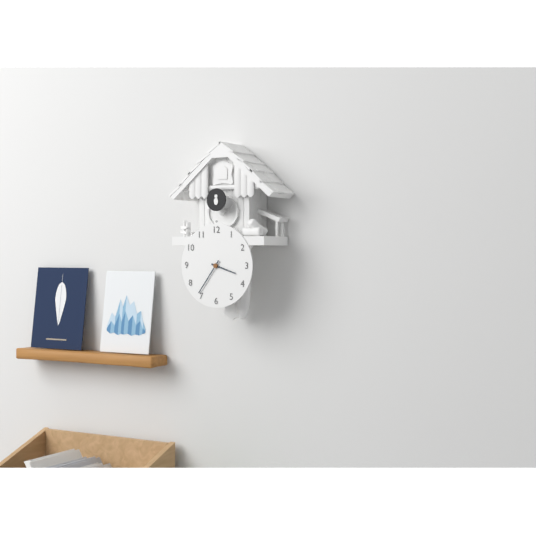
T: 3 h 36 min
